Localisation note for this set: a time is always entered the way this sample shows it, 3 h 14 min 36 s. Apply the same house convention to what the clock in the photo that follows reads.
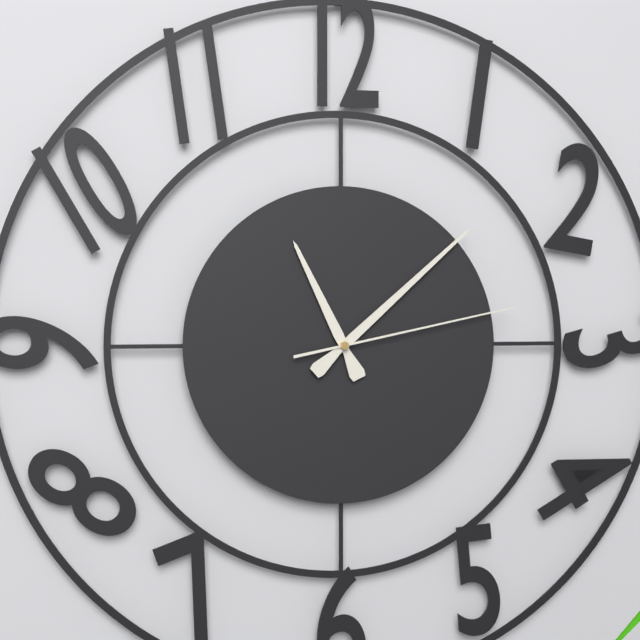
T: 11 h 08 min 13 s
